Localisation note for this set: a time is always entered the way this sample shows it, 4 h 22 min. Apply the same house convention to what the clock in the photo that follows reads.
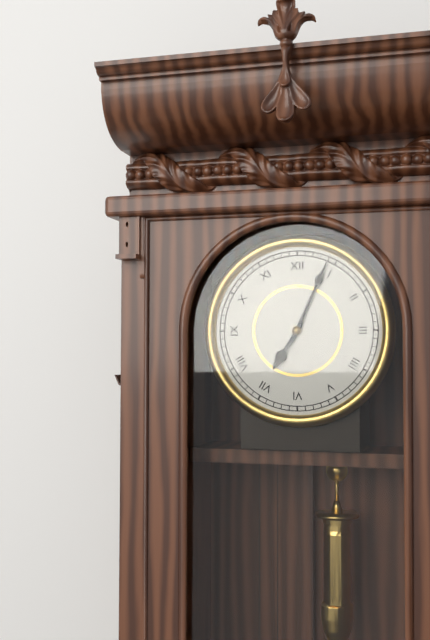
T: 7 h 04 min
